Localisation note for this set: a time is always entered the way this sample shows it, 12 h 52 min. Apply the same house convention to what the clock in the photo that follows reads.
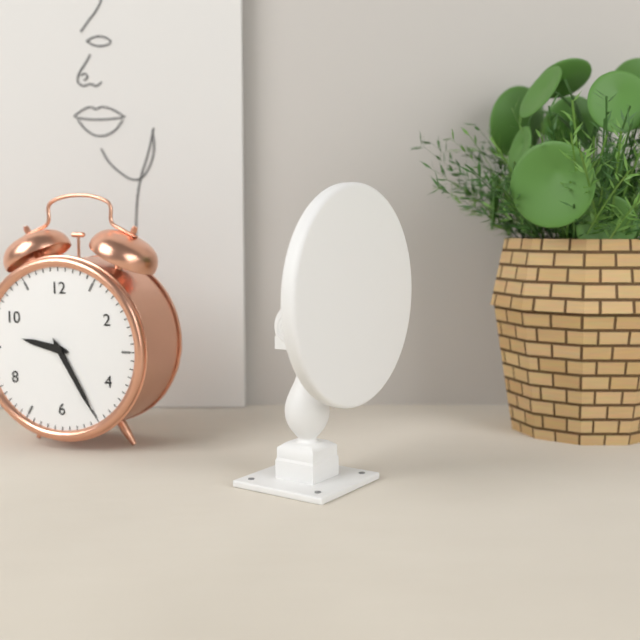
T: 9 h 25 min
